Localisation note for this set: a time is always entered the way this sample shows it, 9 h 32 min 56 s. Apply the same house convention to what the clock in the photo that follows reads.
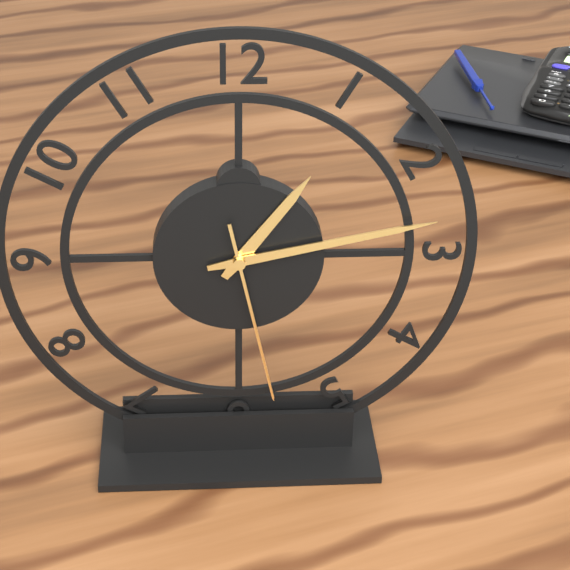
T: 1 h 13 min 28 s
